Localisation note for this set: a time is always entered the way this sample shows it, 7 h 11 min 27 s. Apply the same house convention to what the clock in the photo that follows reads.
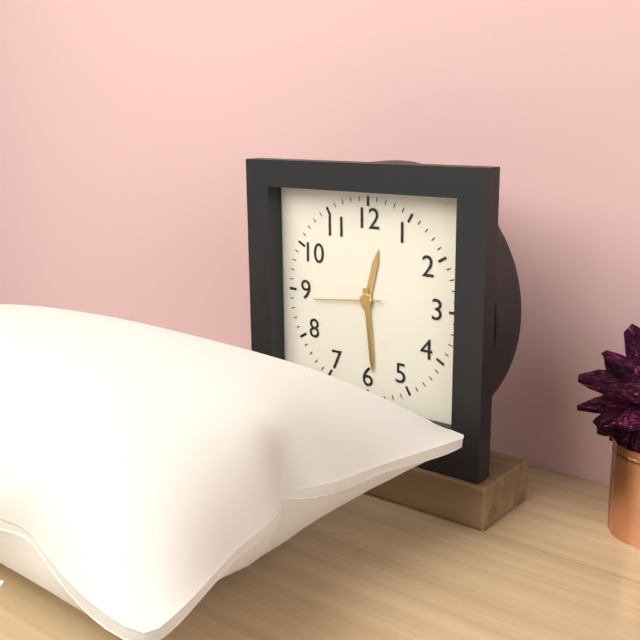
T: 12 h 29 min 44 s
